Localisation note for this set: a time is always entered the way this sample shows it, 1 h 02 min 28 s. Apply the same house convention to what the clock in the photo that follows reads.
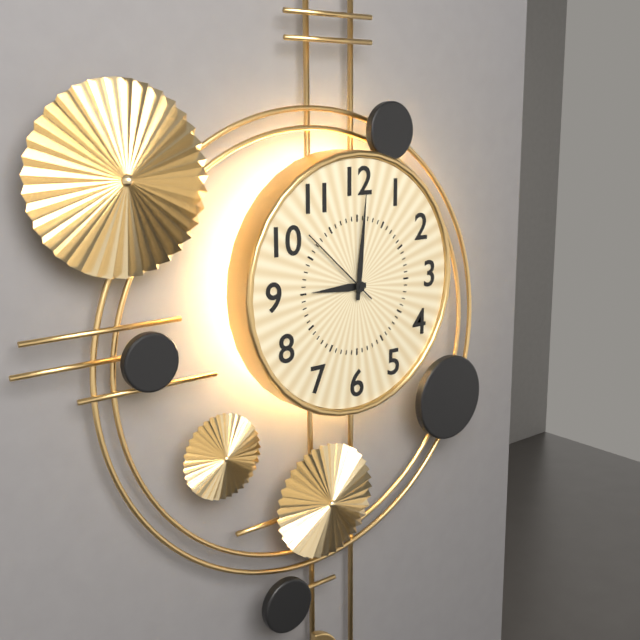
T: 9 h 01 min 52 s
